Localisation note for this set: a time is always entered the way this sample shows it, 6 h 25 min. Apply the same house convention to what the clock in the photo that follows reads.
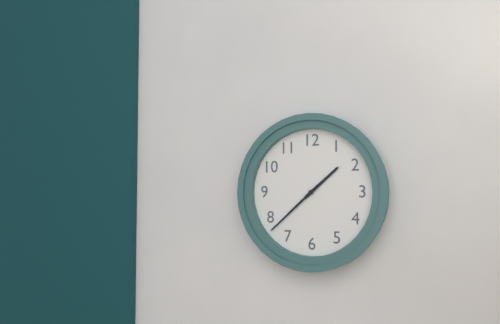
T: 1 h 38 min
